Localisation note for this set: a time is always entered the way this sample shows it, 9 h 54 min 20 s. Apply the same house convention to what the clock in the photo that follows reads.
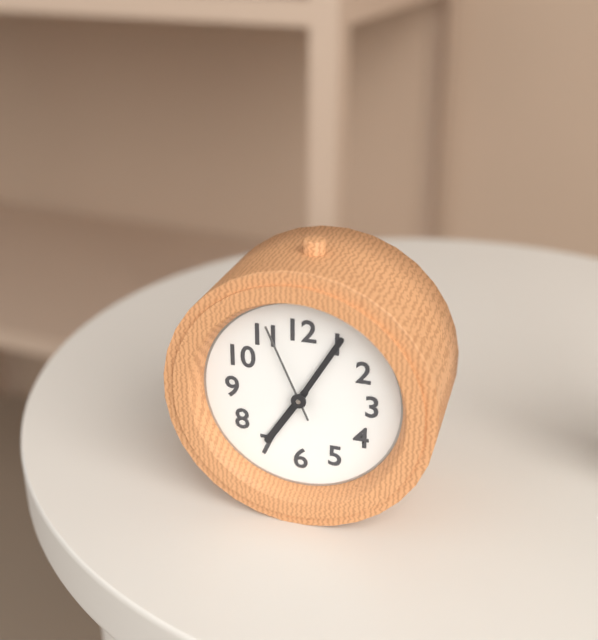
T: 7 h 05 min 56 s
